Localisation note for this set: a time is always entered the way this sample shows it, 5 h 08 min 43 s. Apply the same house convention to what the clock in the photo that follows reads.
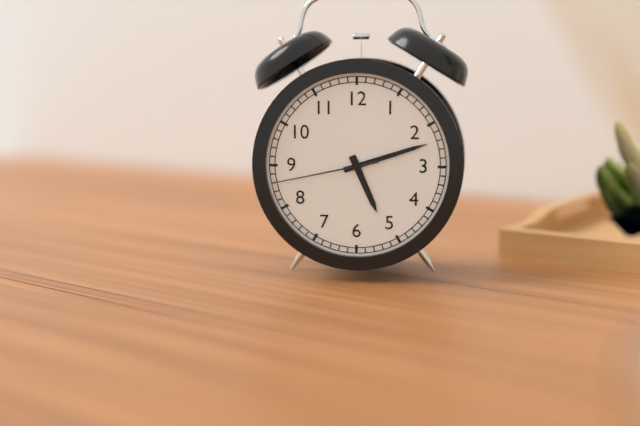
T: 5 h 12 min 43 s
